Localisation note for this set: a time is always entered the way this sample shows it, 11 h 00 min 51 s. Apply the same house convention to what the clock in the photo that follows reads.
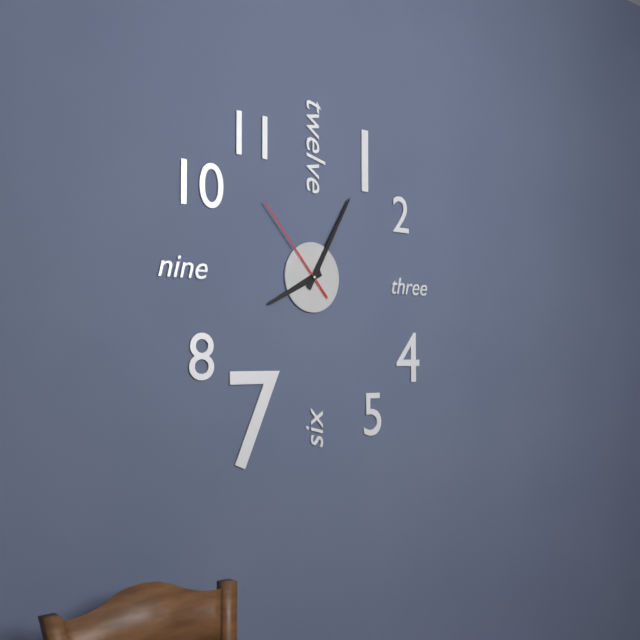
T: 8 h 05 min 53 s
